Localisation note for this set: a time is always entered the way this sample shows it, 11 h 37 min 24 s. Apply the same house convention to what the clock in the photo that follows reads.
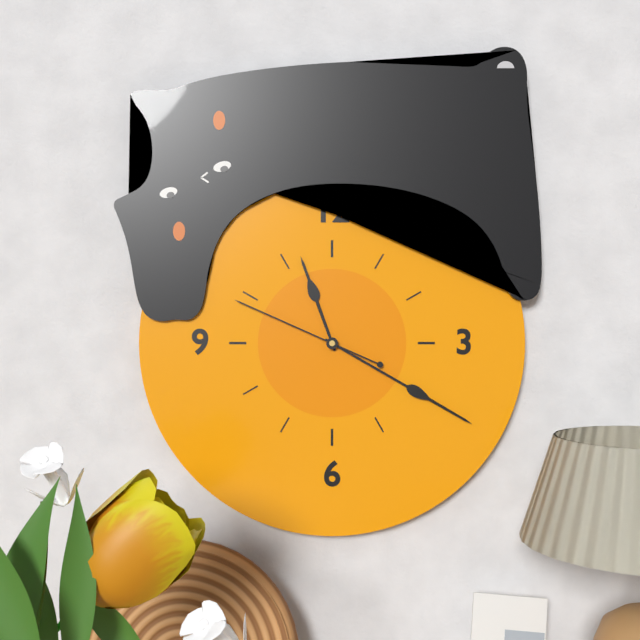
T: 11 h 20 min 49 s
